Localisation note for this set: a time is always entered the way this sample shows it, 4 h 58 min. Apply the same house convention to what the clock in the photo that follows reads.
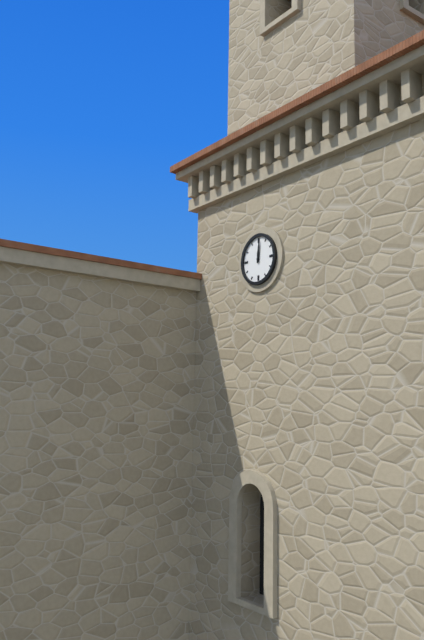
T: 12 h 01 min
